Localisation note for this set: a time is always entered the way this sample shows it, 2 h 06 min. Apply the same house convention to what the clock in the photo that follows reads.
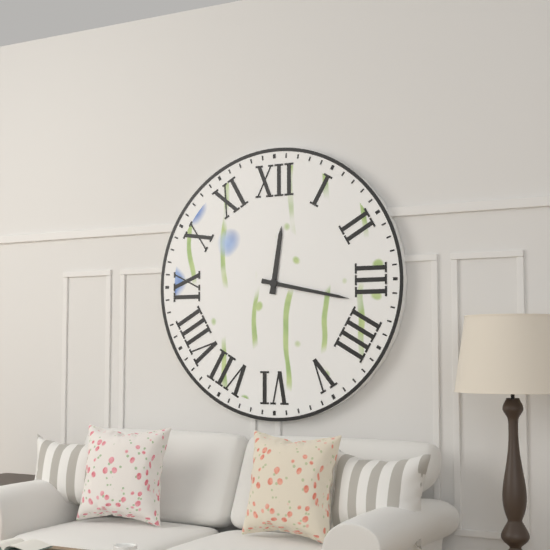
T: 12 h 17 min
